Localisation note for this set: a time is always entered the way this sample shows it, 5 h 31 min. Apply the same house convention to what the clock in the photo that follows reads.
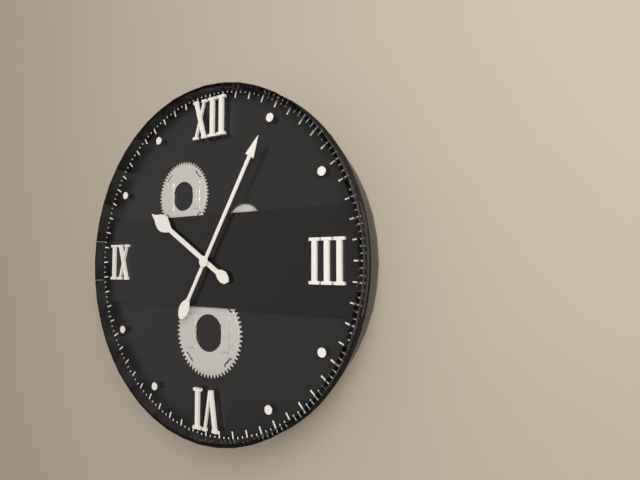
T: 10 h 05 min
